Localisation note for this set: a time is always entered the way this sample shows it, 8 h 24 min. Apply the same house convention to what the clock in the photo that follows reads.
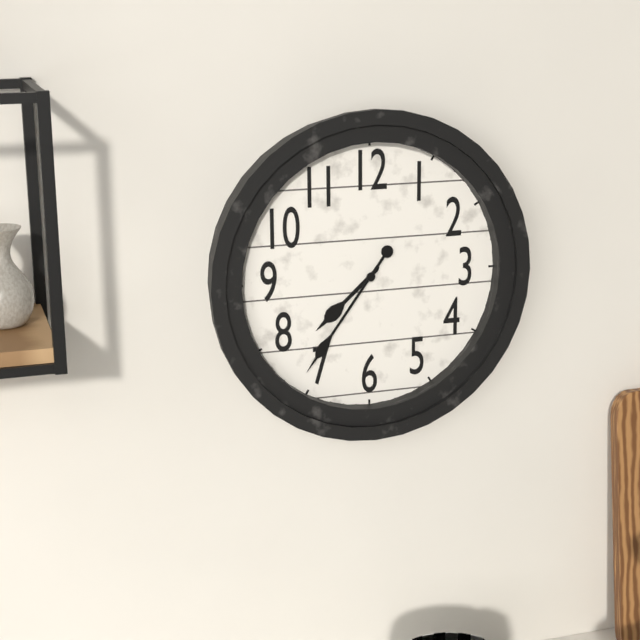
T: 7 h 36 min
